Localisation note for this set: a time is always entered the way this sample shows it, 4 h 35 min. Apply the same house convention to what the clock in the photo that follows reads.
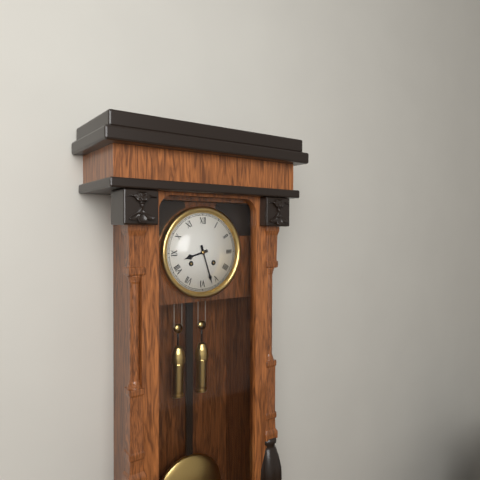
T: 8 h 27 min
